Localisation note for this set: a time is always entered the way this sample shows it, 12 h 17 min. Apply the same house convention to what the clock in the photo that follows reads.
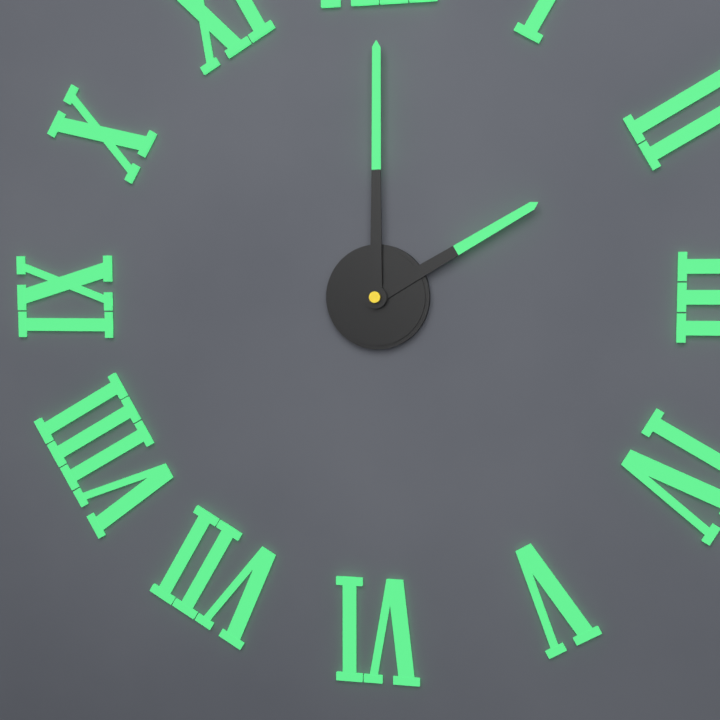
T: 2 h 00 min
